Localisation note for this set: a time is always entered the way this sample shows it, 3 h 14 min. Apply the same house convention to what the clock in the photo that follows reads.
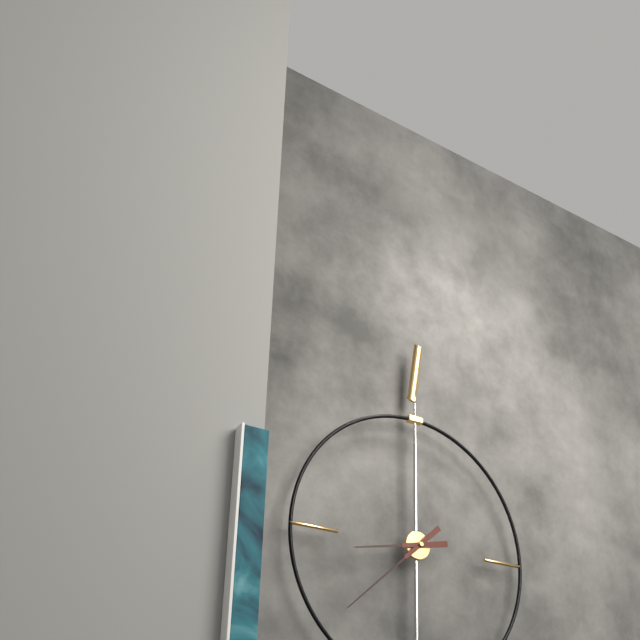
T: 8 h 38 min
